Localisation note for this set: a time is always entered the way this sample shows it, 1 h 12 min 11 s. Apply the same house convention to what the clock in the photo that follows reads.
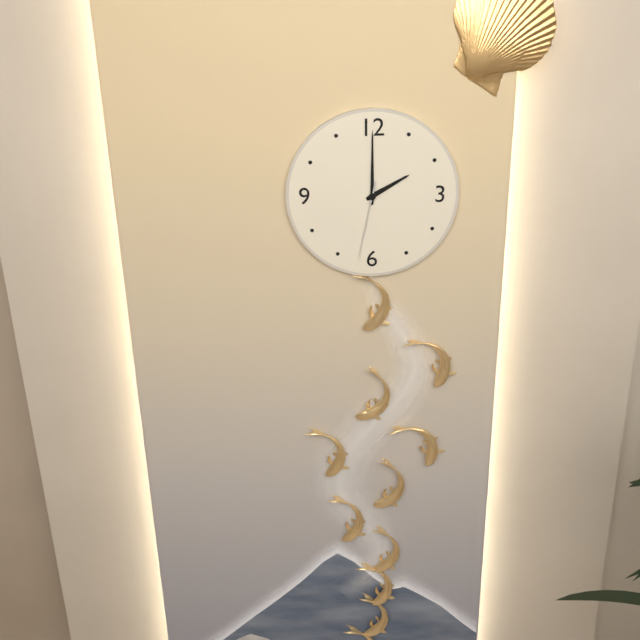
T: 2 h 00 min 32 s
